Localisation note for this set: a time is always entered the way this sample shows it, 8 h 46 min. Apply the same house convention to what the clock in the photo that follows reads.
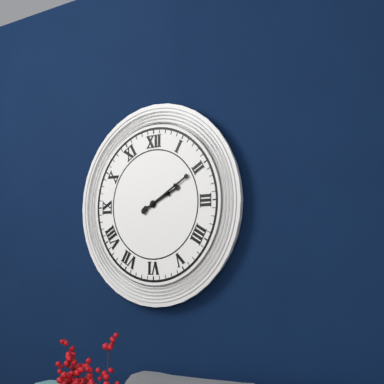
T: 2 h 10 min
